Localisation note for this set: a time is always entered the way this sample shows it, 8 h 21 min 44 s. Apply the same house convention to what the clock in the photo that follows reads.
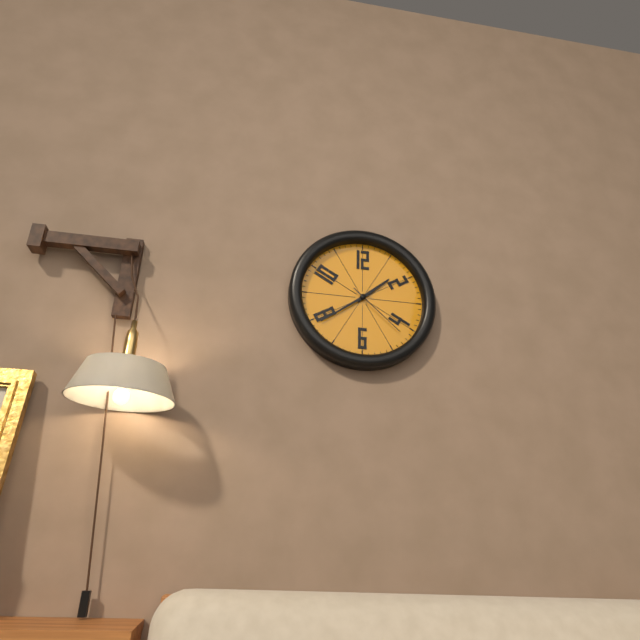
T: 1 h 39 min 22 s
